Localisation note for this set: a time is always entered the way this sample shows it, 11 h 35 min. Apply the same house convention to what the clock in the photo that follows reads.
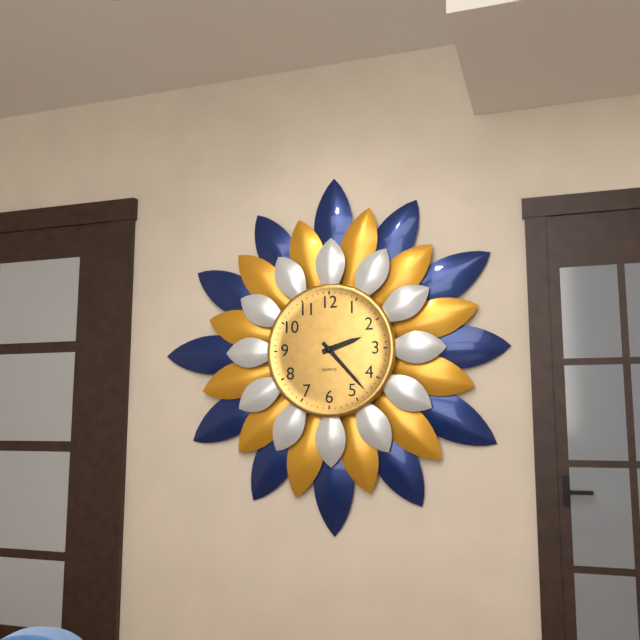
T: 2 h 23 min
